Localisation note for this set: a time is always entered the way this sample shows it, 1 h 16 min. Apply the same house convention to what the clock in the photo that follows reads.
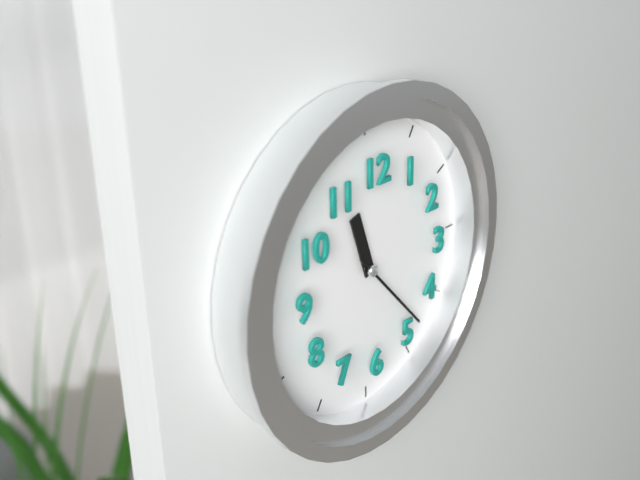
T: 11 h 23 min
